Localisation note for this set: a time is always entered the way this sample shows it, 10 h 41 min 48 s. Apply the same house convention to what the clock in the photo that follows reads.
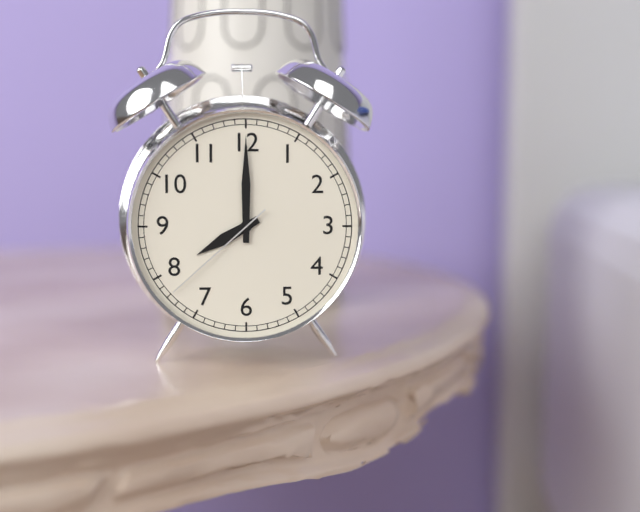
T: 8 h 00 min 38 s
